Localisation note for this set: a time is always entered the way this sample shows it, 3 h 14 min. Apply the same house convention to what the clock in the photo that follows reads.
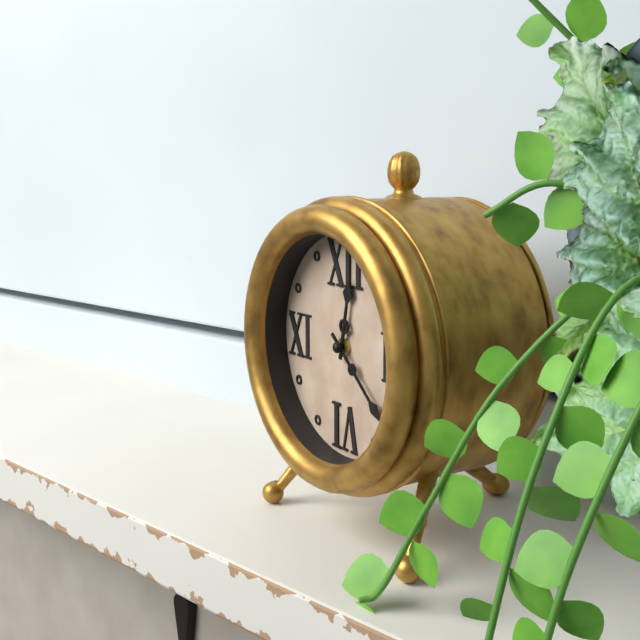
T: 12 h 22 min
